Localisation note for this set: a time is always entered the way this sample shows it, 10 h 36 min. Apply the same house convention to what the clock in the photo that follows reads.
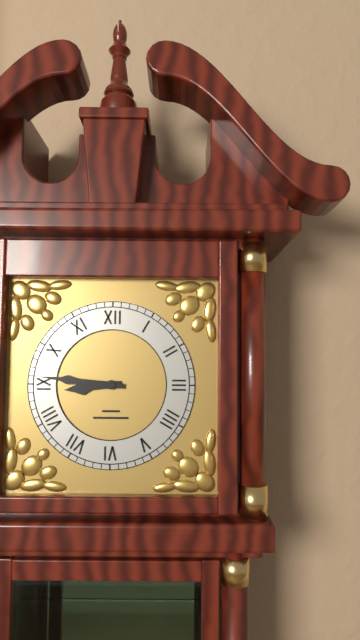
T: 8 h 46 min
